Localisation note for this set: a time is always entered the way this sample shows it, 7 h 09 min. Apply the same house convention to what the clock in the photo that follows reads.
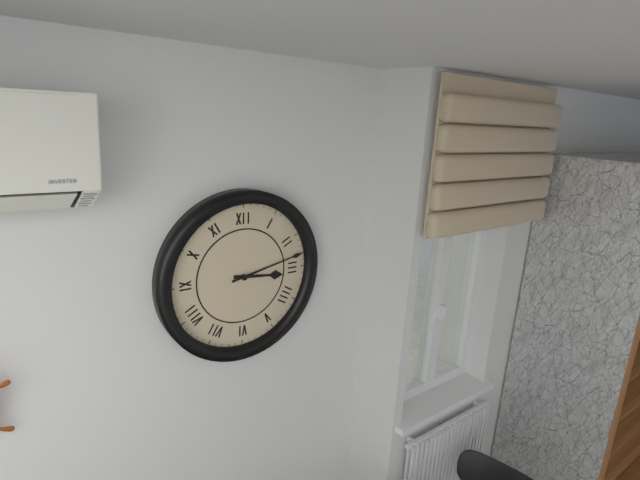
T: 3 h 13 min
